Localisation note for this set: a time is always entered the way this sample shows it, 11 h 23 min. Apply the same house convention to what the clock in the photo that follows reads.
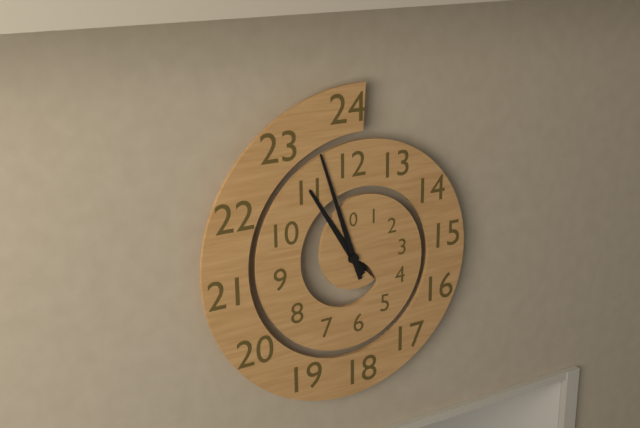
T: 10 h 57 min
